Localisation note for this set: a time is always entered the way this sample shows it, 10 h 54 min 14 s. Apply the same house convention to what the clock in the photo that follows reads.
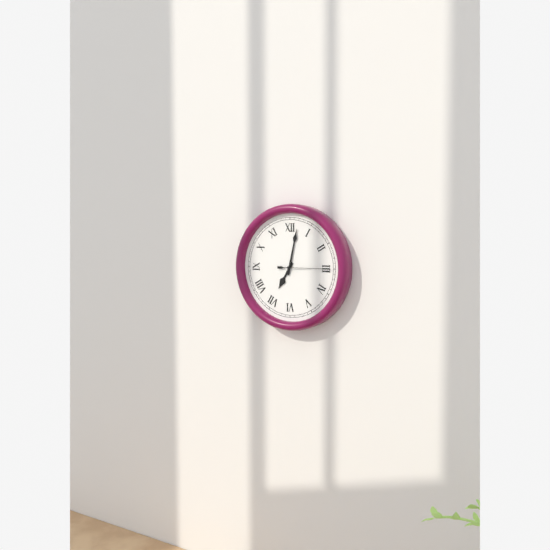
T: 7 h 02 min 15 s
